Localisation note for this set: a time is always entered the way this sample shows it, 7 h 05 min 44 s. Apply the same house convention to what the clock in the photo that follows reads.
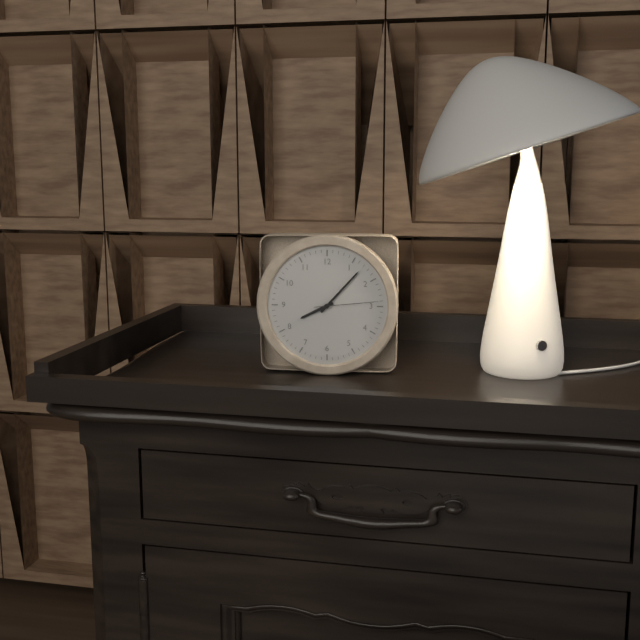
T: 8 h 07 min 14 s
